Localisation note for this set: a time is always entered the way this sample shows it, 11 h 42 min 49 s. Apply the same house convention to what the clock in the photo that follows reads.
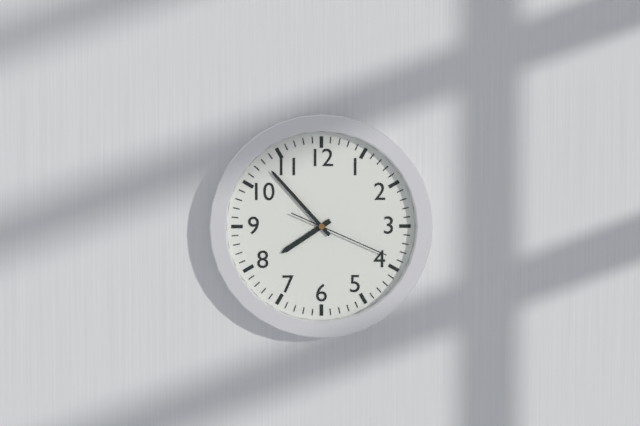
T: 7 h 53 min 19 s
